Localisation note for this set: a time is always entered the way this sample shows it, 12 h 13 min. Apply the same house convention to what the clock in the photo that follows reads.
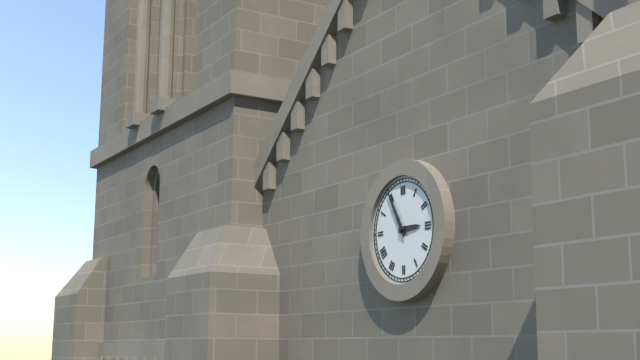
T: 2 h 55 min
